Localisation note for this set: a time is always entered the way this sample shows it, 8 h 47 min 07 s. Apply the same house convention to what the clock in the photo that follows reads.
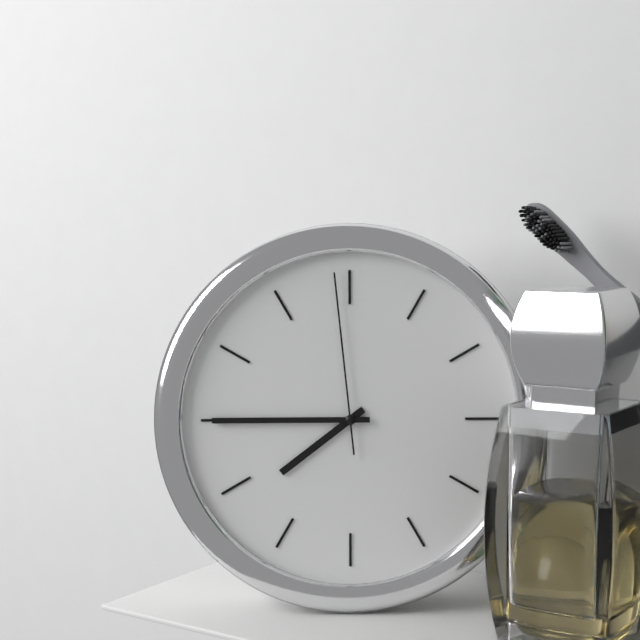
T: 7 h 45 min 59 s
